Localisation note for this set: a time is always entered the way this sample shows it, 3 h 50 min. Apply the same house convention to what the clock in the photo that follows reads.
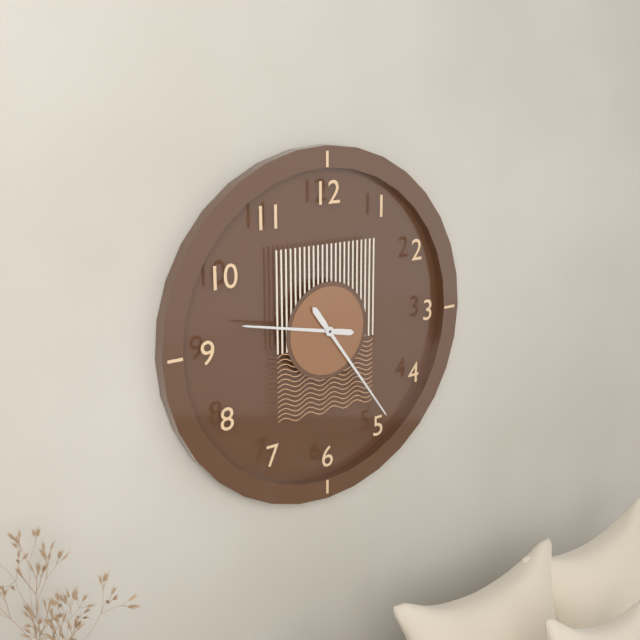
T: 9 h 24 min
